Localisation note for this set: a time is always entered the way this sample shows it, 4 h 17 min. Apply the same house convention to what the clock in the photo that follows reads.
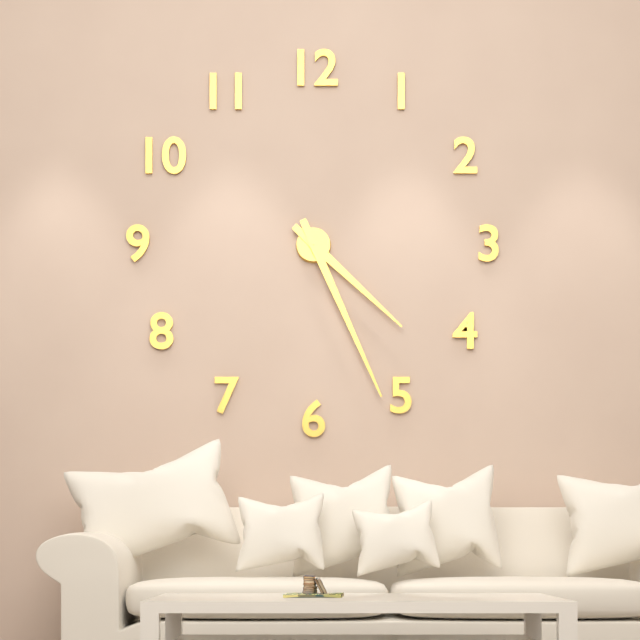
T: 4 h 26 min
